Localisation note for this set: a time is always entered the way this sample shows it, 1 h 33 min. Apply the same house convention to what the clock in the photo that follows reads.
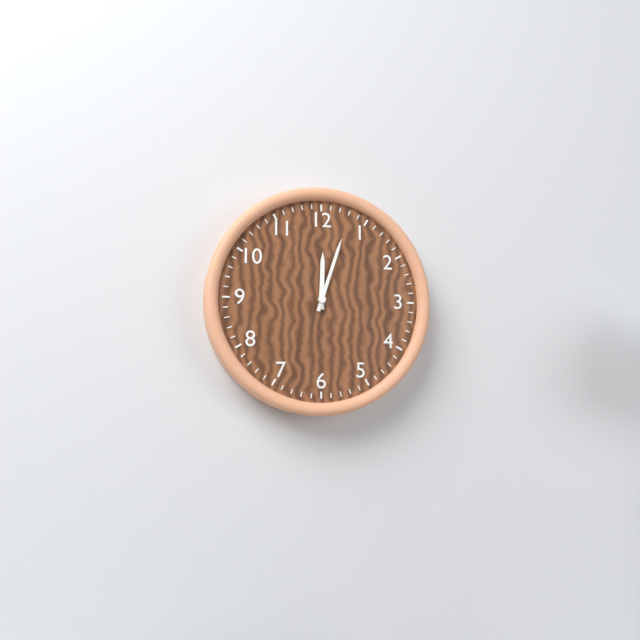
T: 12 h 03 min
